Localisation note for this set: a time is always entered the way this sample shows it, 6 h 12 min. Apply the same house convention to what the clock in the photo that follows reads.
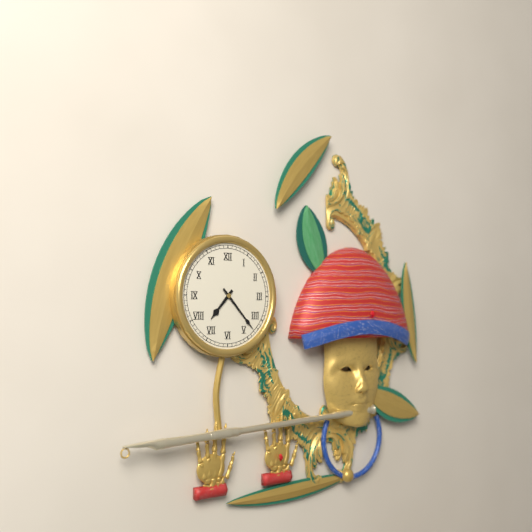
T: 7 h 23 min
